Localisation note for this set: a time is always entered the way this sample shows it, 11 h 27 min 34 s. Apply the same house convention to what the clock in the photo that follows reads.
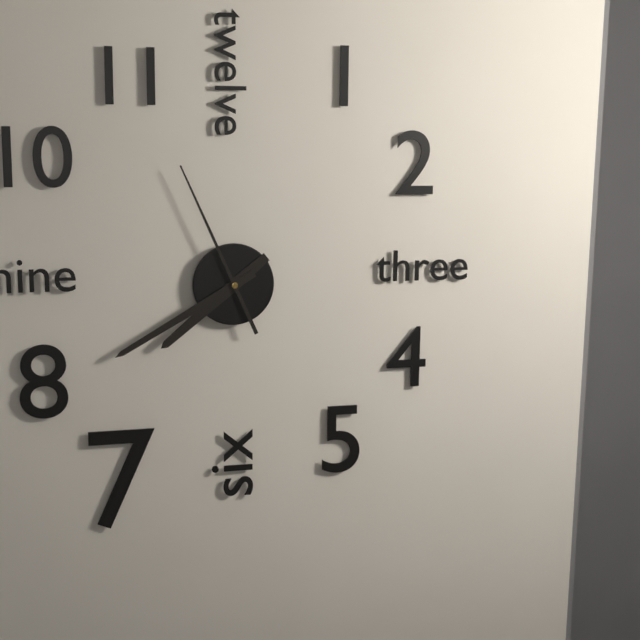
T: 7 h 40 min 56 s
